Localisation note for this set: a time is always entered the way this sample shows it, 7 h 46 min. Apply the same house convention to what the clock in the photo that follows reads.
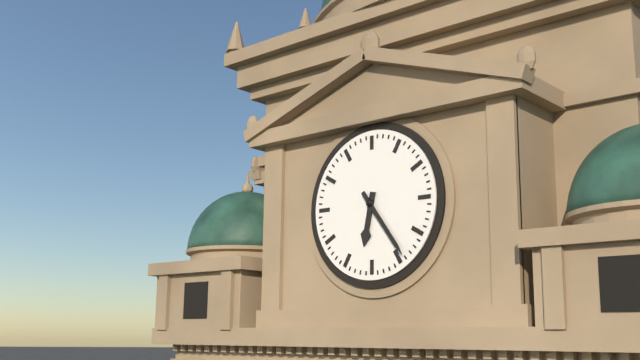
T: 6 h 24 min
